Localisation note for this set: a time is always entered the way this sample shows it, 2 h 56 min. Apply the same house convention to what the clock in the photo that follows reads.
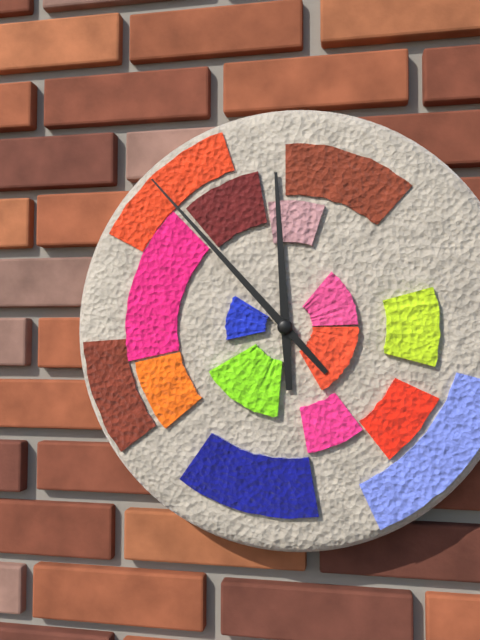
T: 11 h 53 min
